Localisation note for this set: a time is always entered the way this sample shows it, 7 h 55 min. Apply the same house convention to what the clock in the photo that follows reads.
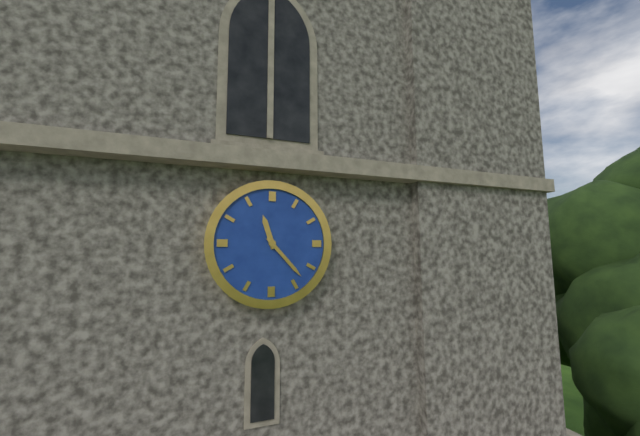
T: 11 h 23 min
